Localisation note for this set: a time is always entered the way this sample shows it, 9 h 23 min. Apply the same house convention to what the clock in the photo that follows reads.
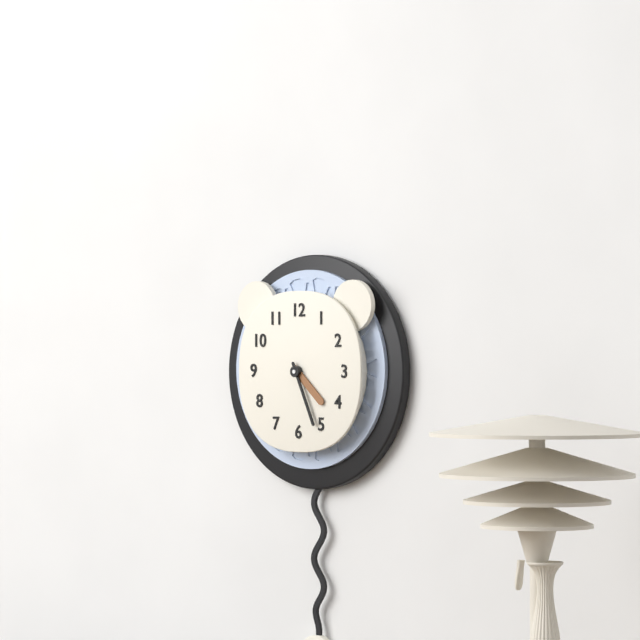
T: 4 h 26 min
